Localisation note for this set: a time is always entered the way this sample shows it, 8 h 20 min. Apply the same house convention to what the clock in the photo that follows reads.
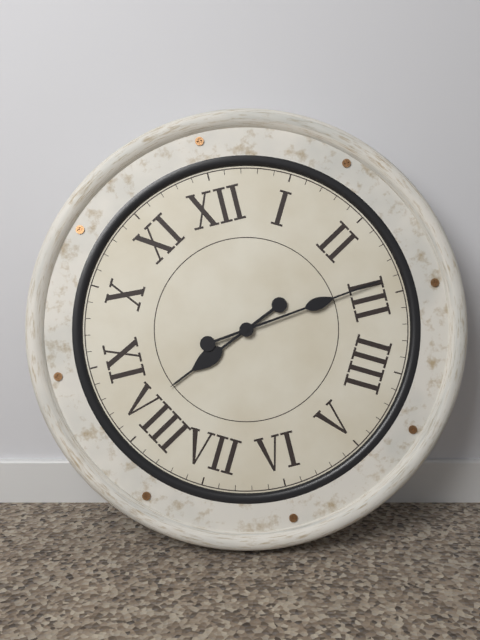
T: 8 h 14 min
